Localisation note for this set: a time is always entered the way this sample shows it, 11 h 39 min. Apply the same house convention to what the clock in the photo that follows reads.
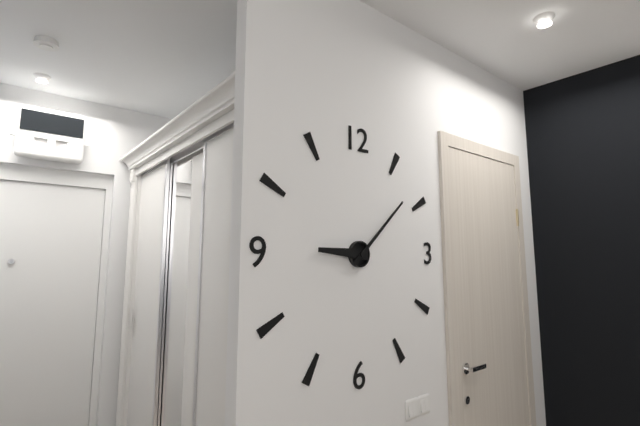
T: 9 h 08 min
